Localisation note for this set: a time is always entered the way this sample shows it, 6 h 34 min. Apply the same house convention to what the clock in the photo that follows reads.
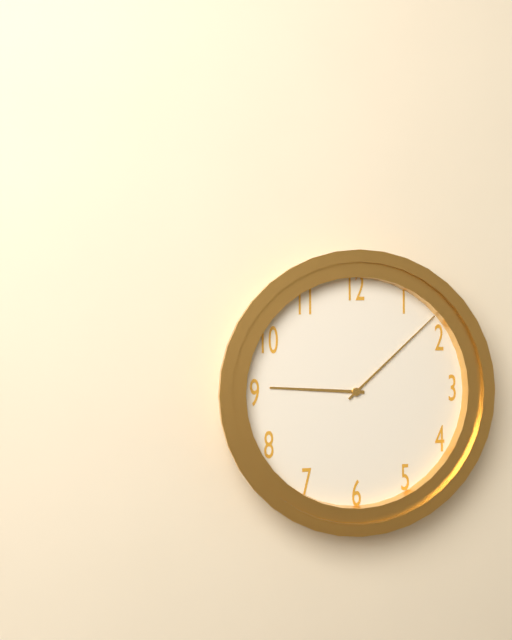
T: 9 h 08 min
